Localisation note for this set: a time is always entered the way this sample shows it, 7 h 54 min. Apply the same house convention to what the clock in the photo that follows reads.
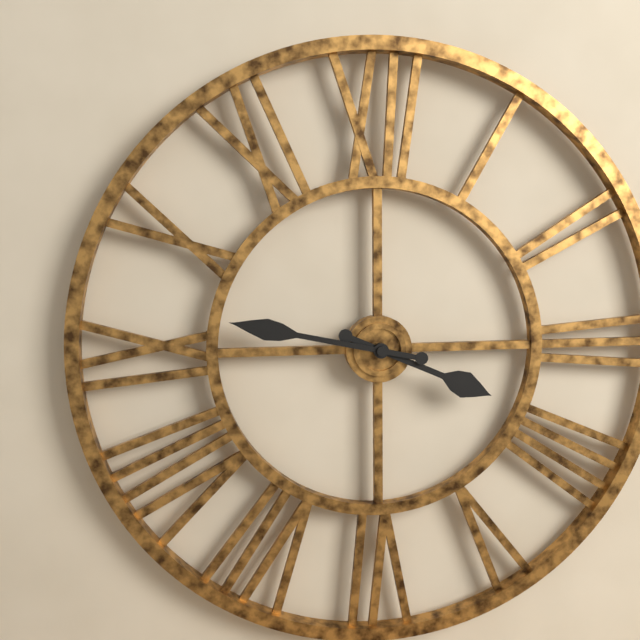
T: 3 h 47 min
